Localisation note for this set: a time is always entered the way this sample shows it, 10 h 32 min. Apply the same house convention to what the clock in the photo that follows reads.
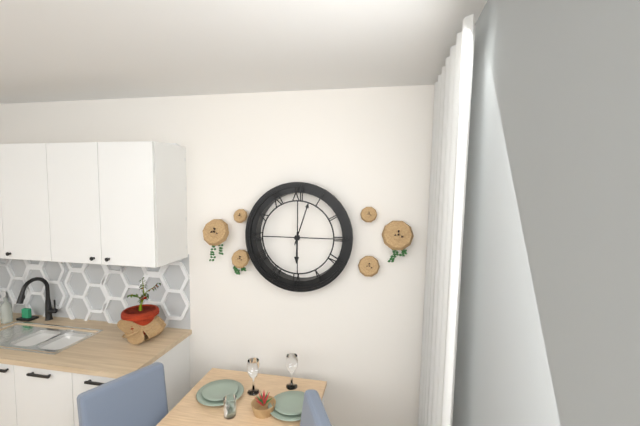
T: 6 h 03 min
